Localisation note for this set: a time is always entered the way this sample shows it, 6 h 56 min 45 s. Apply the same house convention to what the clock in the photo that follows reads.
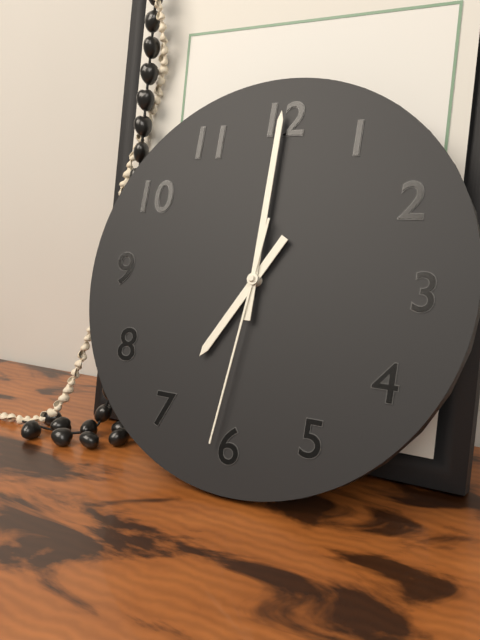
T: 7 h 00 min 31 s
